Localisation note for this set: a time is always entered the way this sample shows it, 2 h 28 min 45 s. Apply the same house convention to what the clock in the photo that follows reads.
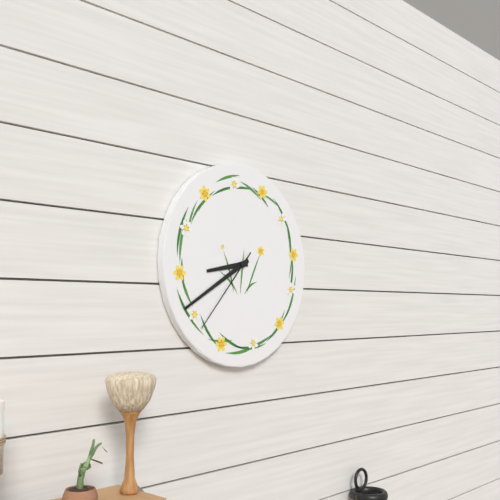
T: 8 h 40 min 37 s
